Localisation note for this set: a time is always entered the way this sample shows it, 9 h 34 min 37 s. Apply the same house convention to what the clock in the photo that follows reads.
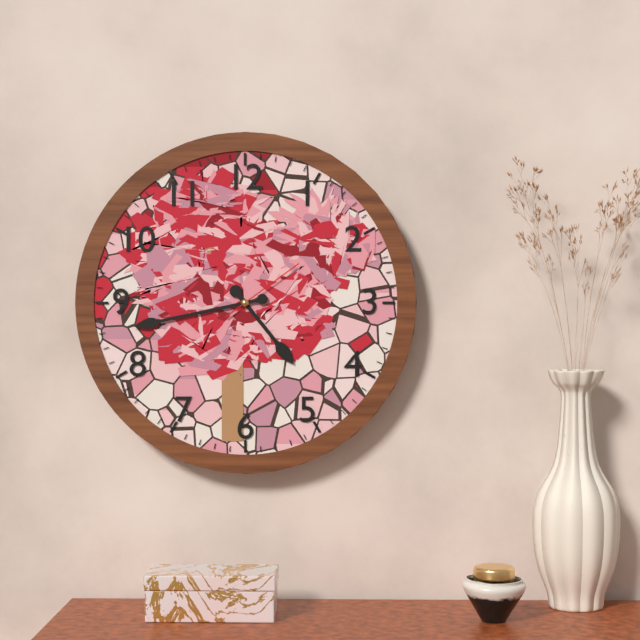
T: 4 h 43 min 09 s
